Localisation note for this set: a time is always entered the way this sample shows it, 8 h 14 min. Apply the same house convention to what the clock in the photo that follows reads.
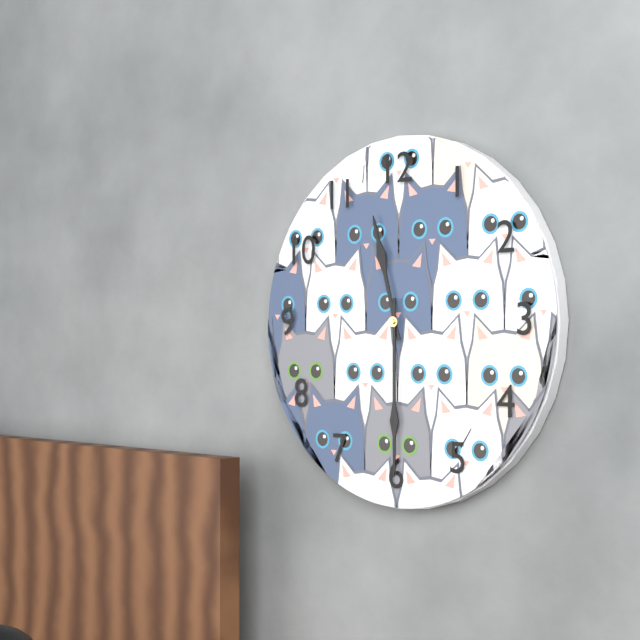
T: 11 h 30 min
